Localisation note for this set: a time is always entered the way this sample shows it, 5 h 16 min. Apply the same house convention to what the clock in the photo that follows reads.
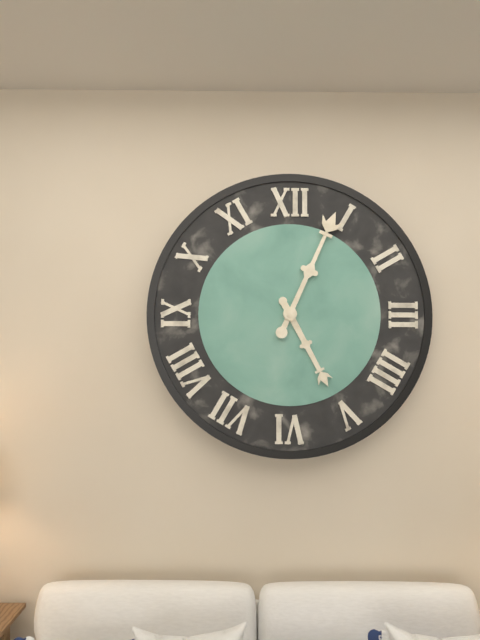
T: 5 h 04 min
